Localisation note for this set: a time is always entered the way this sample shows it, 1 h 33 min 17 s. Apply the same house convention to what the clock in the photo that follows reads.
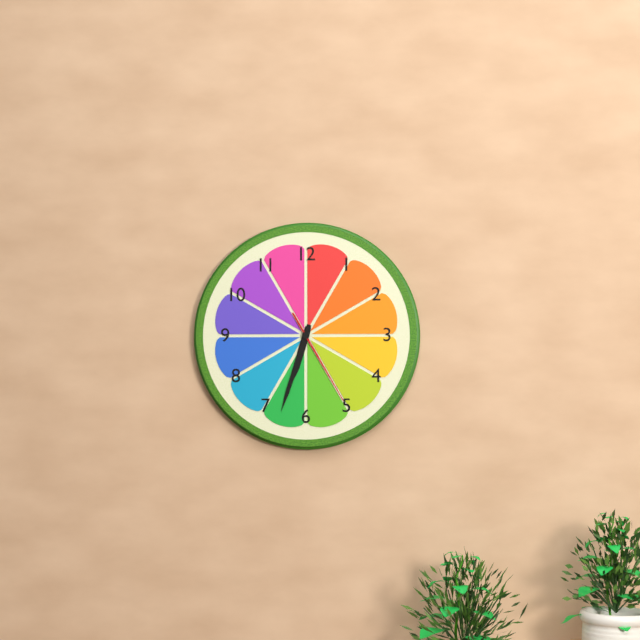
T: 6 h 33 min 25 s
